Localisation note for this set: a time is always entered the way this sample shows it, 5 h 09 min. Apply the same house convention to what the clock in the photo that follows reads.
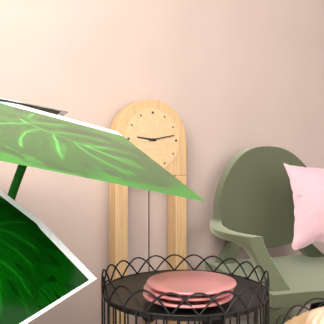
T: 9 h 13 min
